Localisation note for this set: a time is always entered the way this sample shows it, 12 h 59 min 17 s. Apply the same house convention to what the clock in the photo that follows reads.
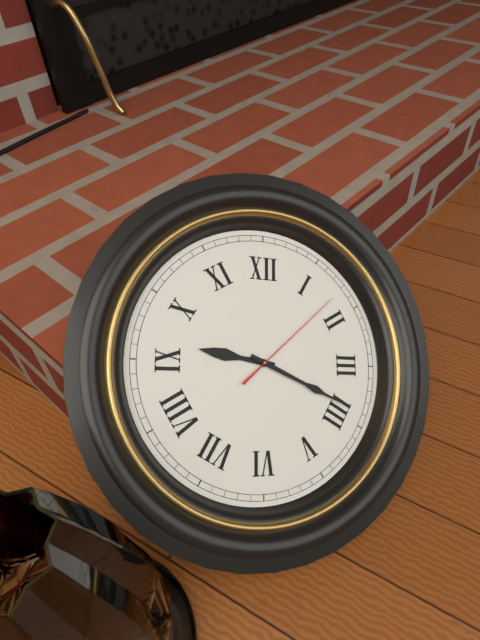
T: 9 h 19 min 08 s
